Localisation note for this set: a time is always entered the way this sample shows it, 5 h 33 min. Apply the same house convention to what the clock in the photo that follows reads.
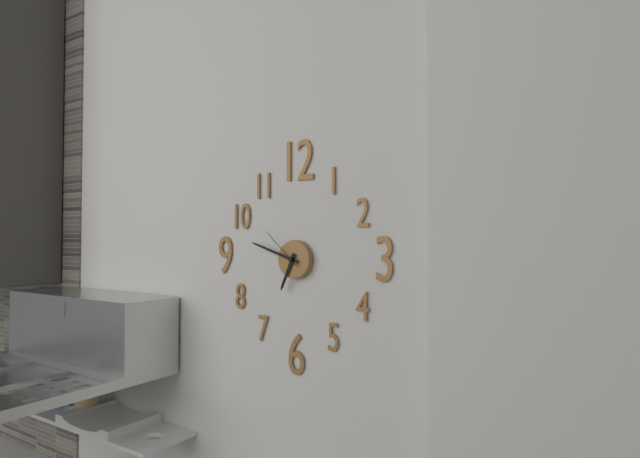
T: 6 h 48 min
